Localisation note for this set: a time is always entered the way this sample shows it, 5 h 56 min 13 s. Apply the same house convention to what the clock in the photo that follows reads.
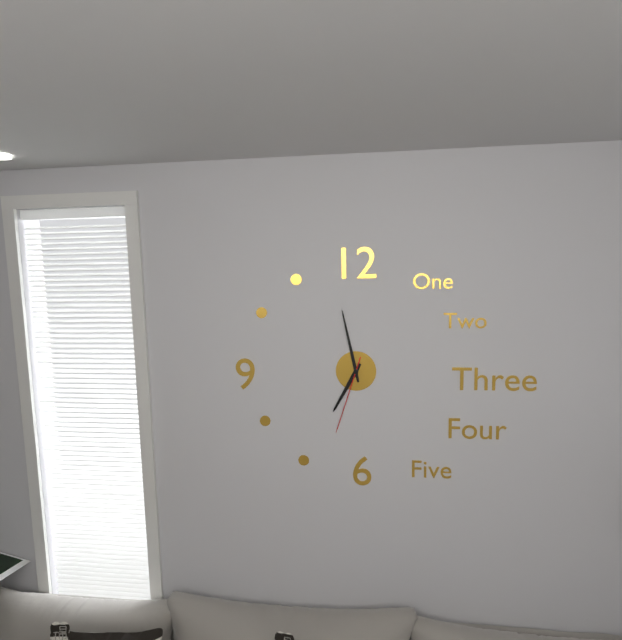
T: 6 h 58 min 33 s
